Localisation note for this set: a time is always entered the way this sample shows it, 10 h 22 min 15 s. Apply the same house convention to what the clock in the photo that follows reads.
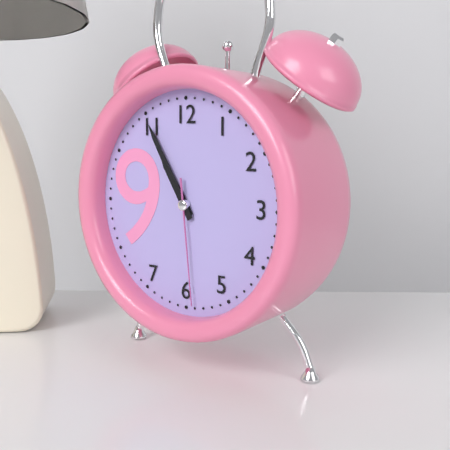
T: 10 h 55 min 29 s
